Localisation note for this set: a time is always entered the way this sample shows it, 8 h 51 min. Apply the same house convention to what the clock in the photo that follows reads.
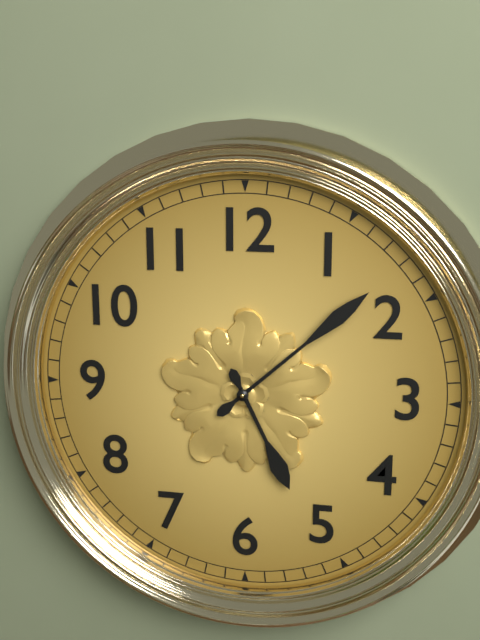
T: 5 h 08 min
